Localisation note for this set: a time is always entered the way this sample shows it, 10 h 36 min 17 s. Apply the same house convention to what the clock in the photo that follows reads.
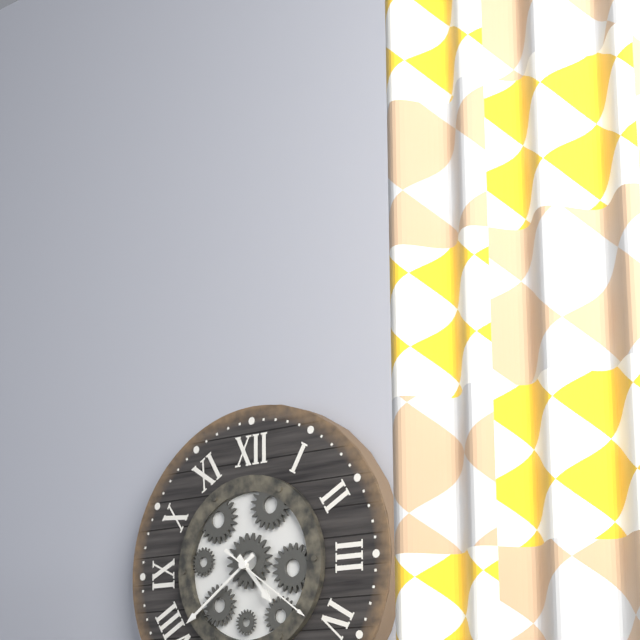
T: 4 h 39 min 21 s
